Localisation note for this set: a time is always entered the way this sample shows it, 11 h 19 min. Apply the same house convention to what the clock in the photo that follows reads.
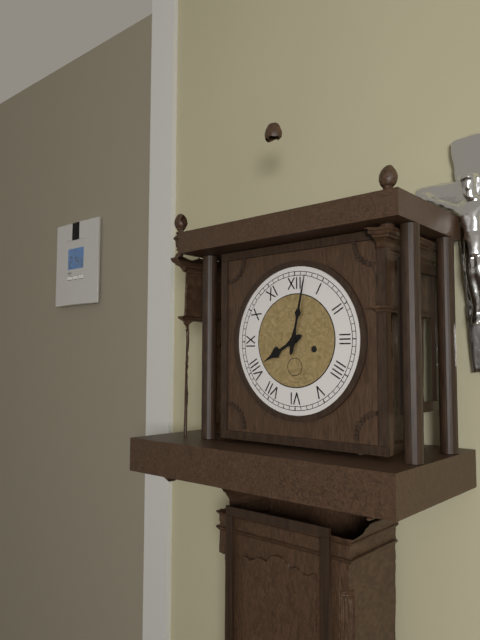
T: 8 h 02 min
